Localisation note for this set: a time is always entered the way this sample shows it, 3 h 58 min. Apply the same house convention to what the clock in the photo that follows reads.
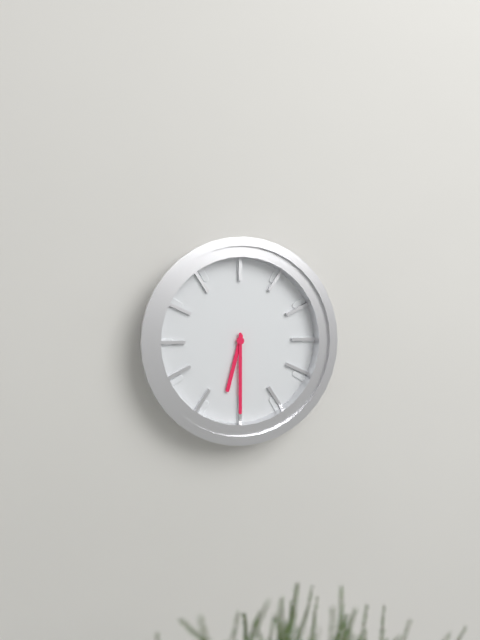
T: 6 h 30 min
